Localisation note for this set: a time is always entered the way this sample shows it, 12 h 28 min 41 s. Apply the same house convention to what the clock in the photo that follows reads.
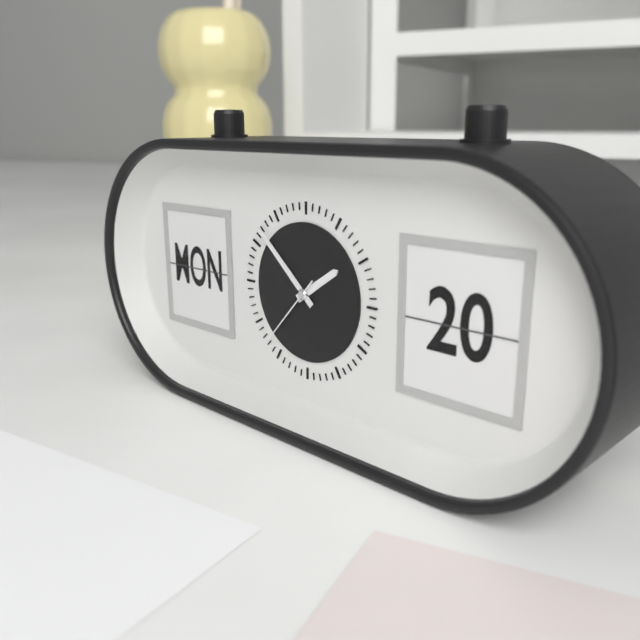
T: 1 h 52 min 37 s
